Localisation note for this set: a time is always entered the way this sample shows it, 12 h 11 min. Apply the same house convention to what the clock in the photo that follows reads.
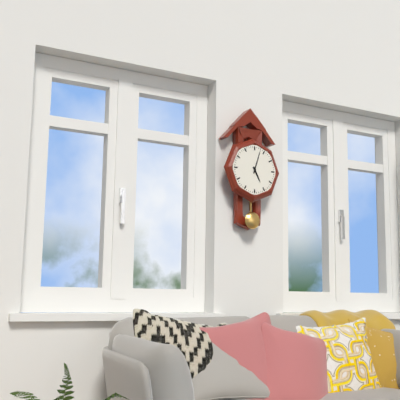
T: 5 h 03 min
